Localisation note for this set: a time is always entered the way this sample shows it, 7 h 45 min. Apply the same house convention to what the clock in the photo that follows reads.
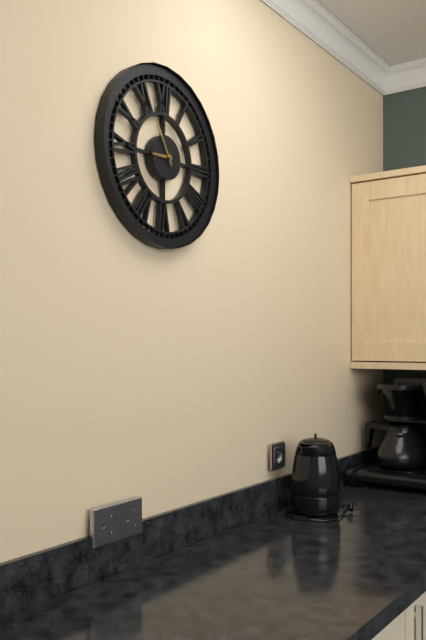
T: 8 h 55 min
